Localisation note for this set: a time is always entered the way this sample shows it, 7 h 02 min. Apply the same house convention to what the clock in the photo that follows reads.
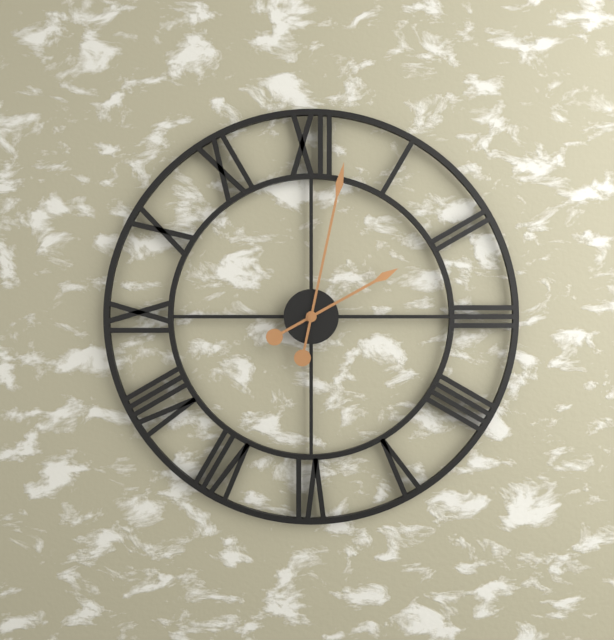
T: 2 h 02 min
